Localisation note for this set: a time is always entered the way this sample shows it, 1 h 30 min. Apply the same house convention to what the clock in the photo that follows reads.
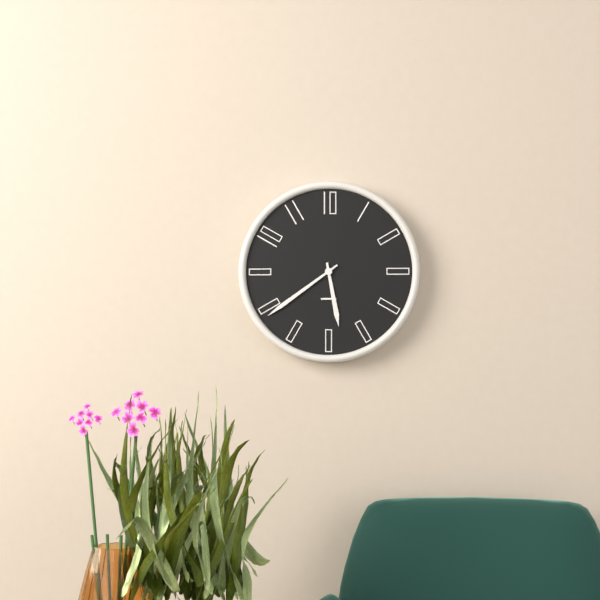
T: 5 h 39 min
